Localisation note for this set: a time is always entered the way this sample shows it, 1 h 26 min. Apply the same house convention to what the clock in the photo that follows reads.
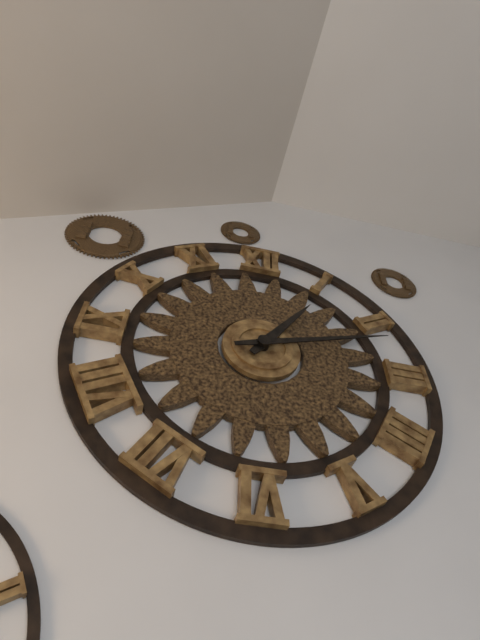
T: 1 h 12 min
